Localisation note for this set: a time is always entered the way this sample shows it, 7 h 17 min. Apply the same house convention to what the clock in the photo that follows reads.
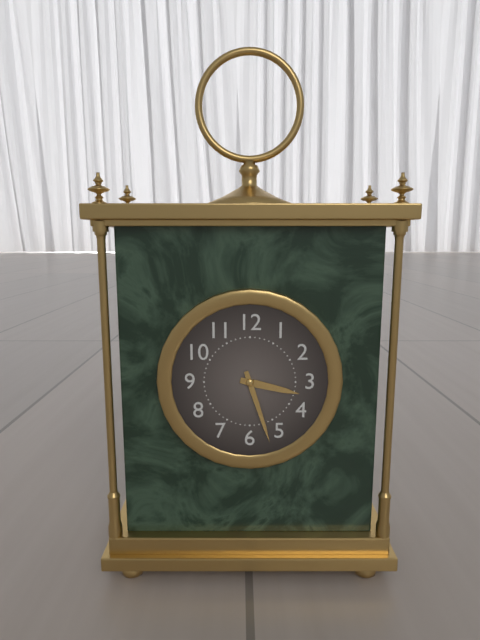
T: 3 h 27 min
